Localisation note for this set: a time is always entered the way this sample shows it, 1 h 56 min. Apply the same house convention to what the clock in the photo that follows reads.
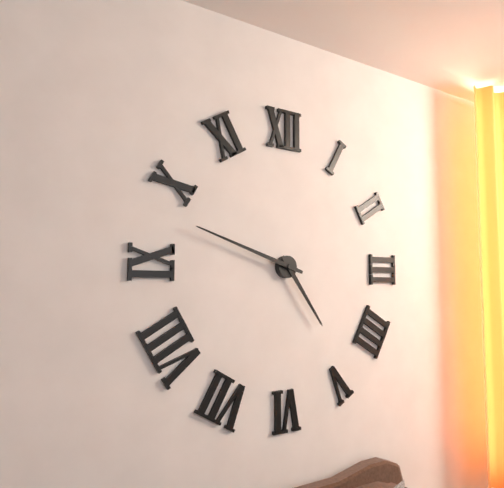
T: 4 h 48 min
